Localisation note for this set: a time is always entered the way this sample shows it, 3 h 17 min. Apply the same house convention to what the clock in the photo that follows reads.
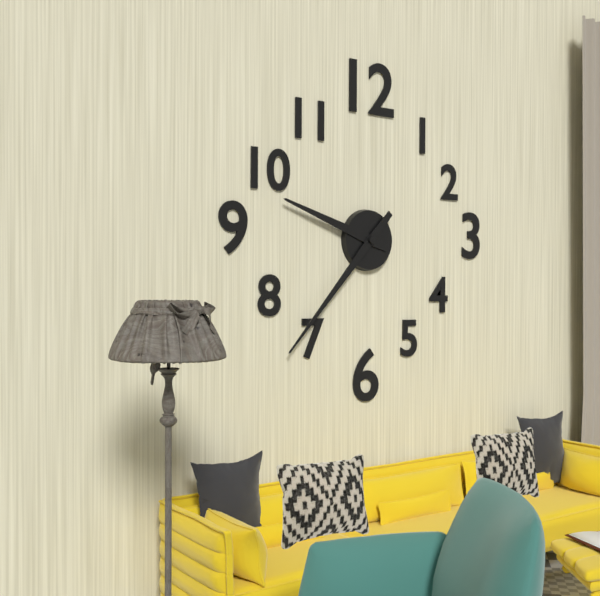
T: 9 h 37 min
